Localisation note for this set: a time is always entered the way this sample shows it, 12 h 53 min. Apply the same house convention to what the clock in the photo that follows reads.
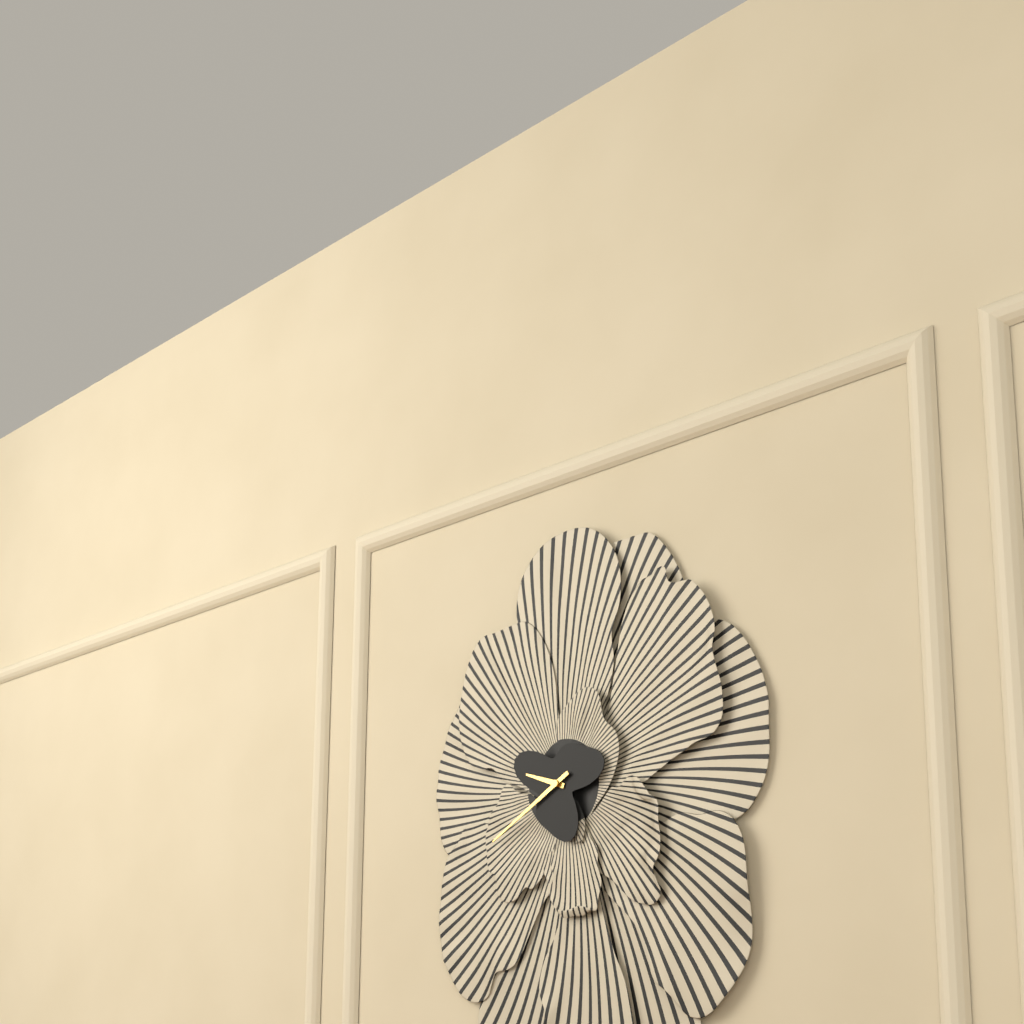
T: 9 h 40 min
